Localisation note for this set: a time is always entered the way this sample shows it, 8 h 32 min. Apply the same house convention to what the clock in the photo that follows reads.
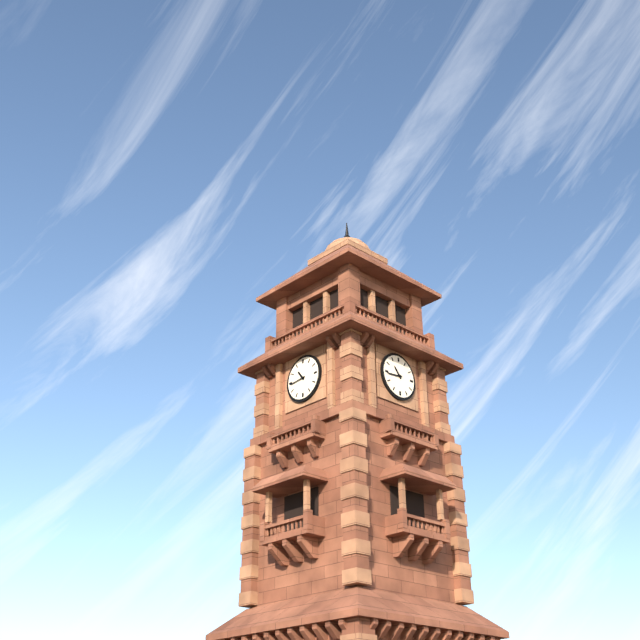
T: 10 h 44 min
